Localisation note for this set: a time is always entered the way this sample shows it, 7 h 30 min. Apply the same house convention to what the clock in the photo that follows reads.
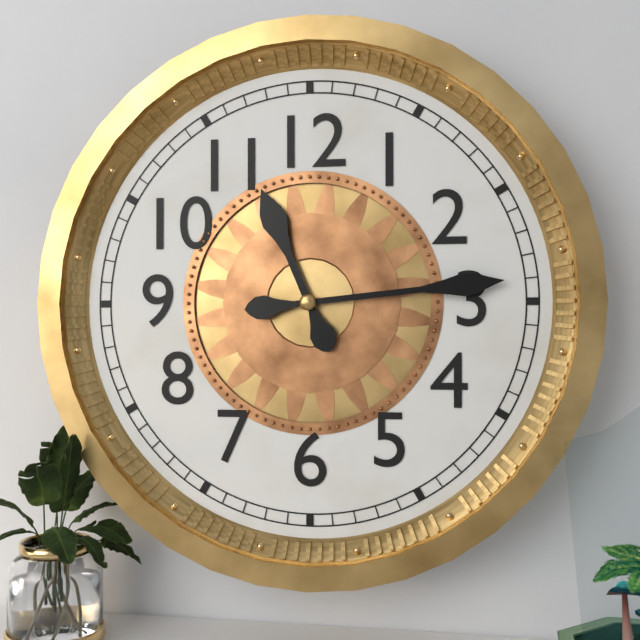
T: 11 h 14 min
